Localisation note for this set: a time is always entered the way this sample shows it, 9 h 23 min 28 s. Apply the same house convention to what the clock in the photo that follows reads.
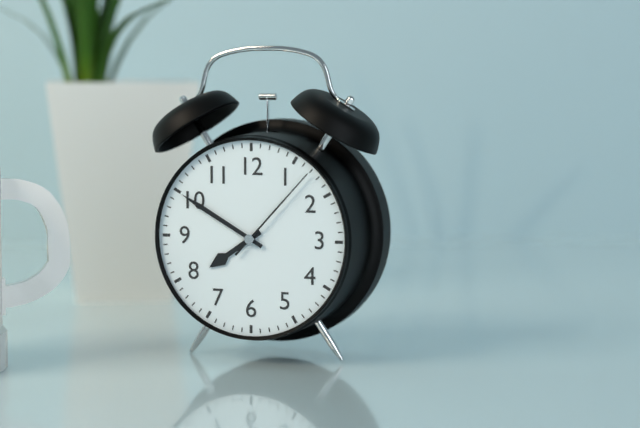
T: 7 h 50 min 07 s
